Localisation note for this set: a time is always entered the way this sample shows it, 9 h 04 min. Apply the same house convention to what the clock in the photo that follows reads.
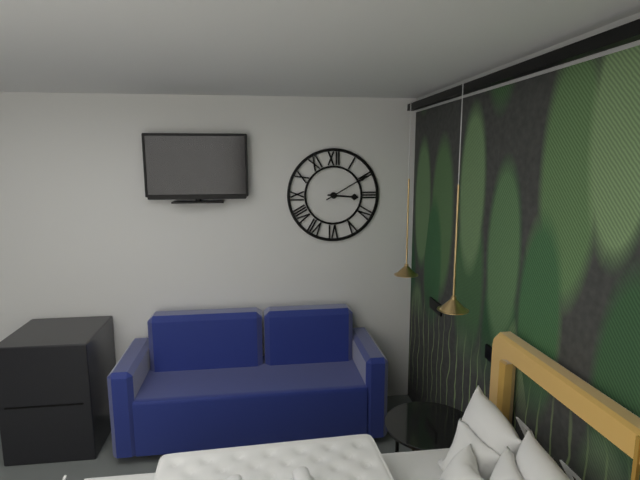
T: 3 h 10 min
